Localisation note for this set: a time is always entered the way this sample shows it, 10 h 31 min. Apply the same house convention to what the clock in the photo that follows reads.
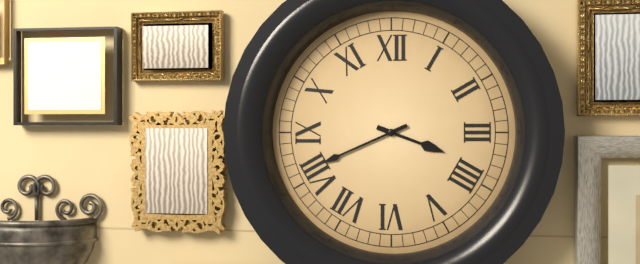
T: 3 h 41 min
